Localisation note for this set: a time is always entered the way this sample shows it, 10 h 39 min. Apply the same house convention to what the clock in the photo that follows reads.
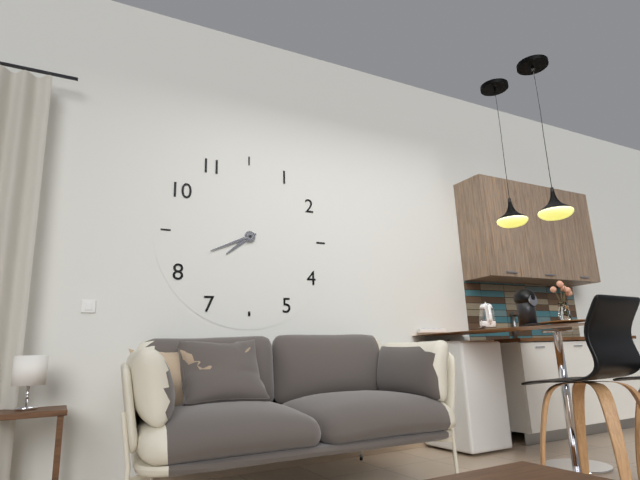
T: 7 h 41 min
